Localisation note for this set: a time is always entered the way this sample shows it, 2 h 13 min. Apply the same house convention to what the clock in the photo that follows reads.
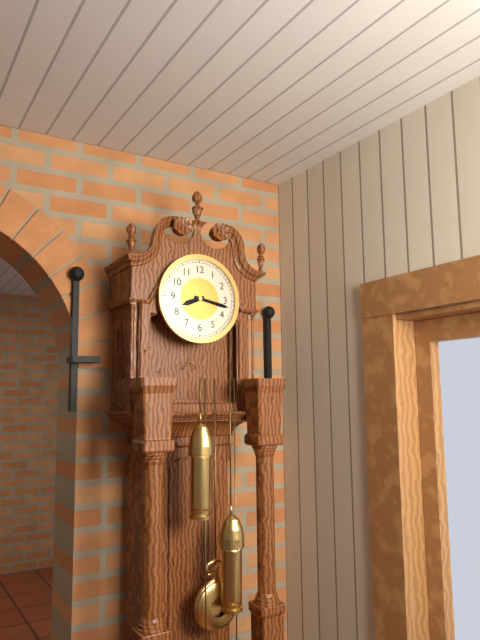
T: 8 h 17 min
